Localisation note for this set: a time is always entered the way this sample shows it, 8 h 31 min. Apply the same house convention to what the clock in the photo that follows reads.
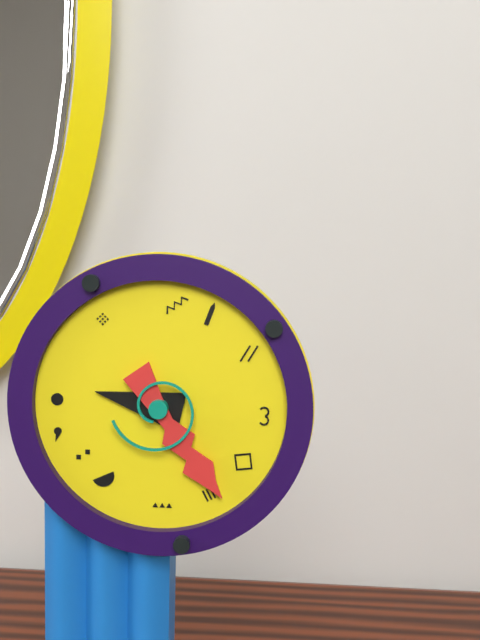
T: 9 h 24 min
